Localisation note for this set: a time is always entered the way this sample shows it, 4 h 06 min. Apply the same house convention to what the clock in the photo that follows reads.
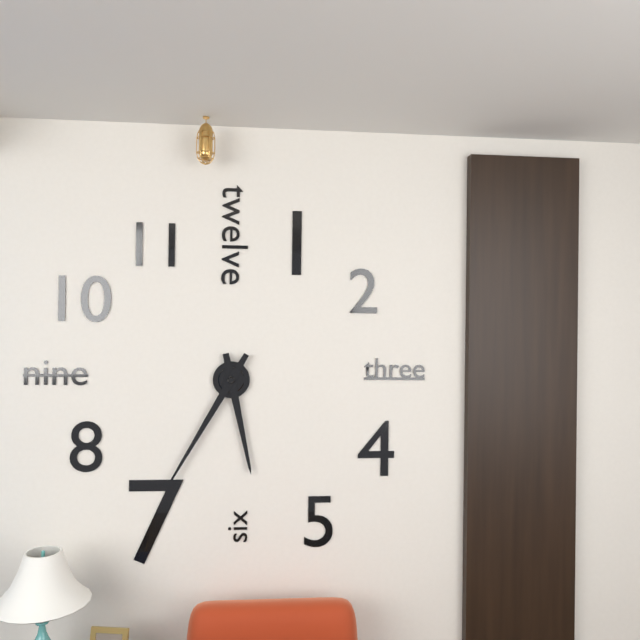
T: 5 h 35 min
